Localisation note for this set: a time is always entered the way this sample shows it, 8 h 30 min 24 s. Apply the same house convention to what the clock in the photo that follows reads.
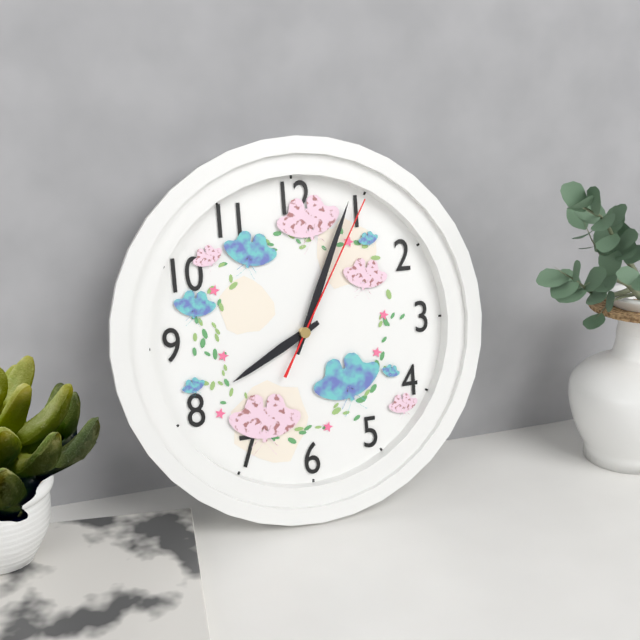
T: 8 h 04 min 05 s
